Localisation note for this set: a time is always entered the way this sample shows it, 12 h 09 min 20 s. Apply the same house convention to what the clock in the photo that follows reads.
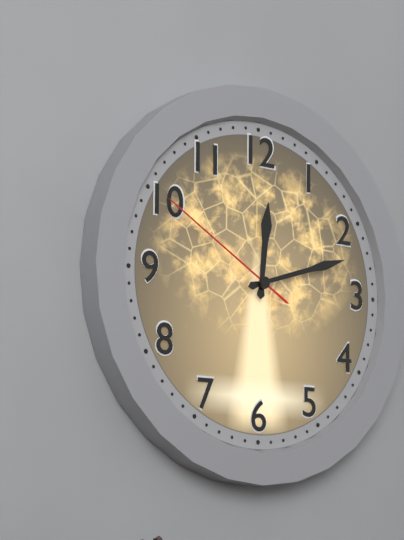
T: 12 h 12 min 50 s
